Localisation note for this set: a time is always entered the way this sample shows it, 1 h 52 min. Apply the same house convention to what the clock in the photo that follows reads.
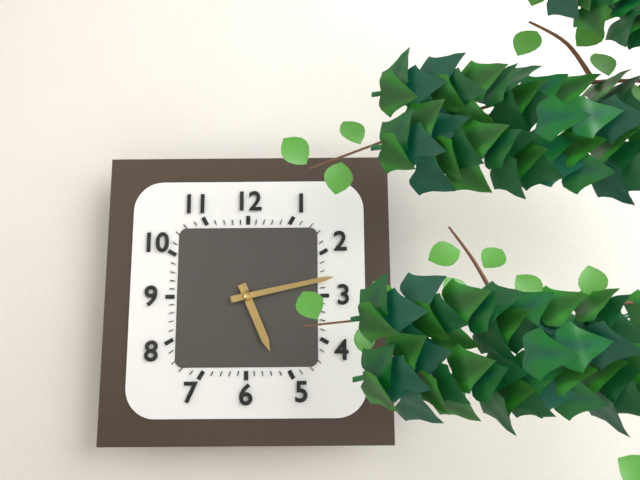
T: 5 h 13 min
